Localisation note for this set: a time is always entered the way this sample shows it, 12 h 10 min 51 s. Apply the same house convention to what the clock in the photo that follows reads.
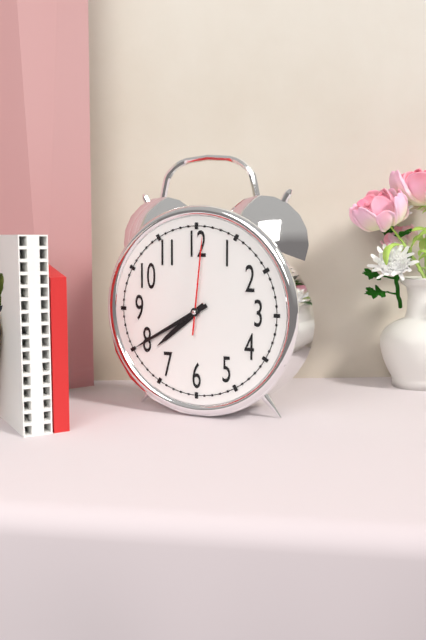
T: 7 h 40 min 01 s
